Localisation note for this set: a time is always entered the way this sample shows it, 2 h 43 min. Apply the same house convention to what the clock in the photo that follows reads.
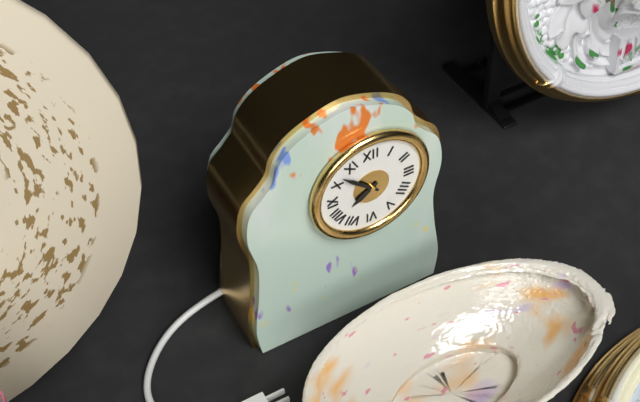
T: 7 h 52 min
